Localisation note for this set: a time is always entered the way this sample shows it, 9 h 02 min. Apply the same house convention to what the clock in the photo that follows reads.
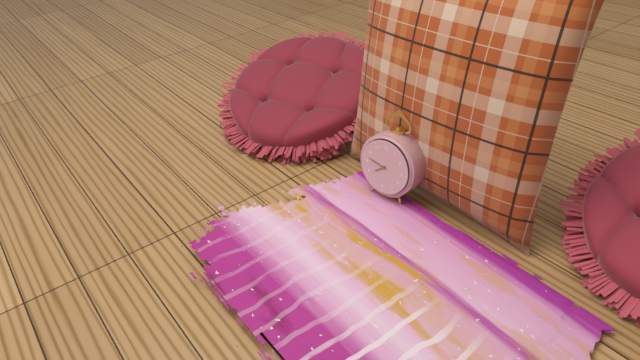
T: 7 h 47 min
